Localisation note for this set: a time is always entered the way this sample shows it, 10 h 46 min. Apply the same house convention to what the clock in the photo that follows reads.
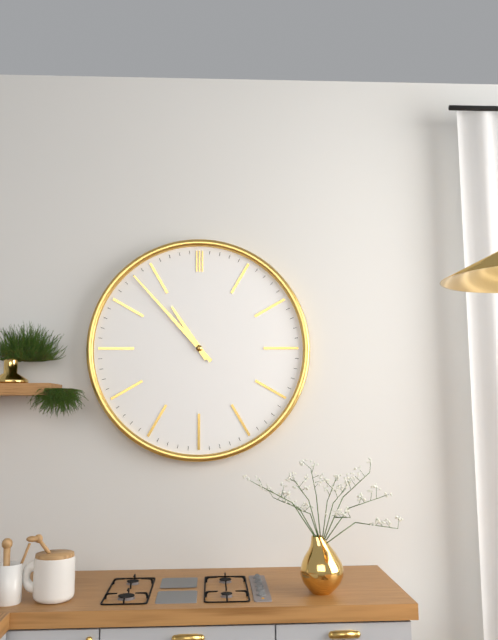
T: 10 h 53 min
